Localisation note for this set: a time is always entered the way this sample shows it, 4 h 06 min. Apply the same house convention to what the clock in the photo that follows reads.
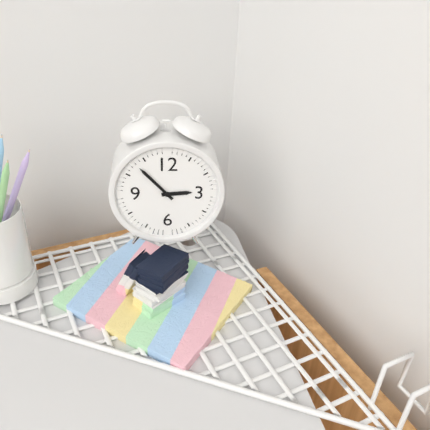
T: 2 h 53 min
